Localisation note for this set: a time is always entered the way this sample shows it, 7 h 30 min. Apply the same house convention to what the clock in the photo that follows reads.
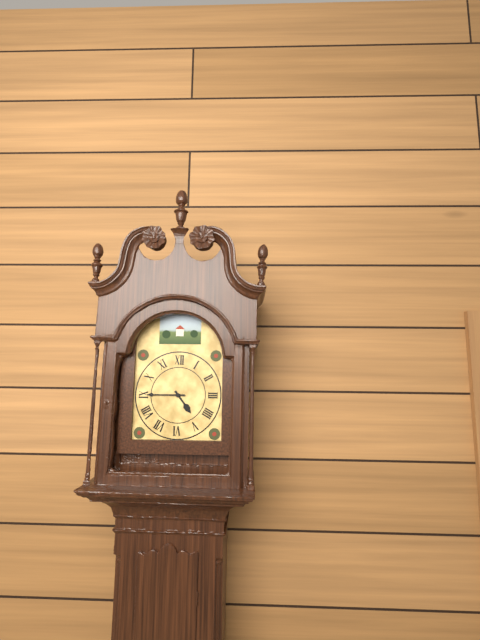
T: 4 h 45 min
